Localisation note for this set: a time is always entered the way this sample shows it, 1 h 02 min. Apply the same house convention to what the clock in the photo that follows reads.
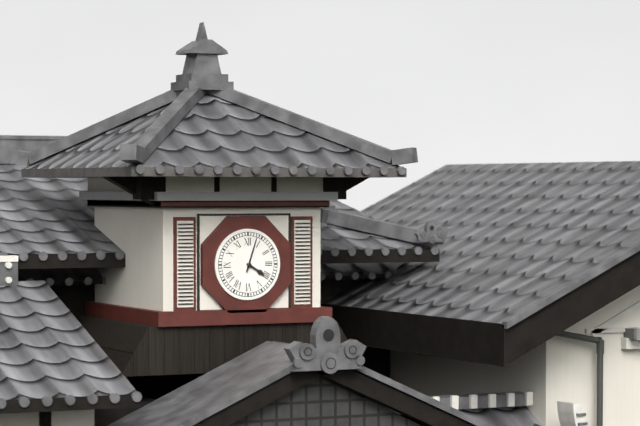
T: 4 h 03 min
